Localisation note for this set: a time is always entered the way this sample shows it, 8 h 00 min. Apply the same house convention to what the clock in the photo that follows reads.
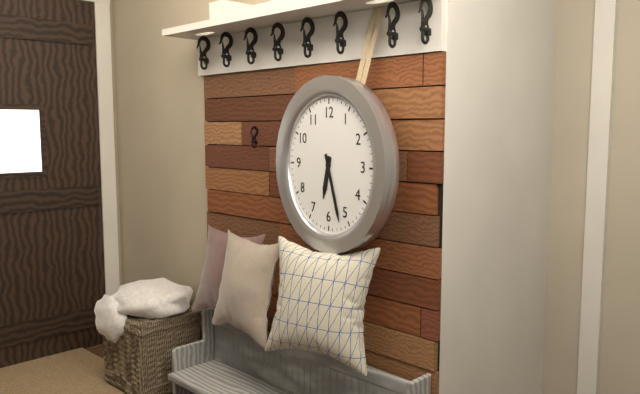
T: 6 h 27 min
